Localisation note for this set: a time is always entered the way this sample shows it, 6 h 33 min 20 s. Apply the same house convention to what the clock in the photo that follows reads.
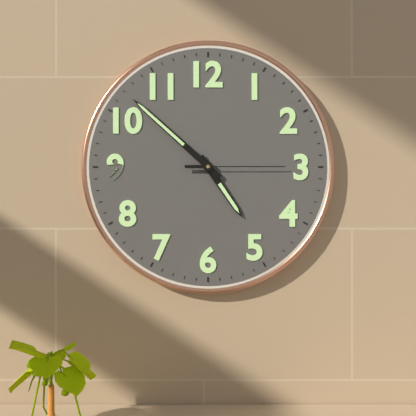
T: 4 h 52 min 15 s
